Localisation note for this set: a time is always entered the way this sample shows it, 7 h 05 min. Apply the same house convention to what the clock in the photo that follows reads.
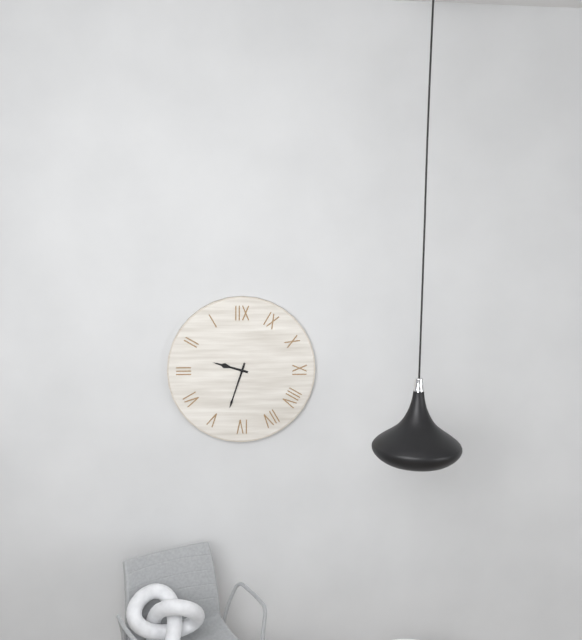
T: 9 h 33 min
